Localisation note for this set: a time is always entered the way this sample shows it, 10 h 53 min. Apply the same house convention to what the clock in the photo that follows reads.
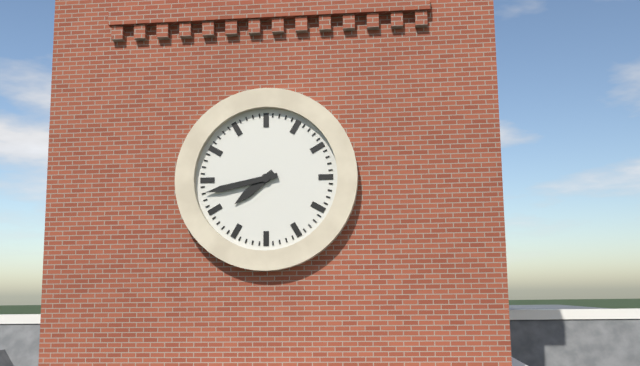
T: 7 h 43 min
